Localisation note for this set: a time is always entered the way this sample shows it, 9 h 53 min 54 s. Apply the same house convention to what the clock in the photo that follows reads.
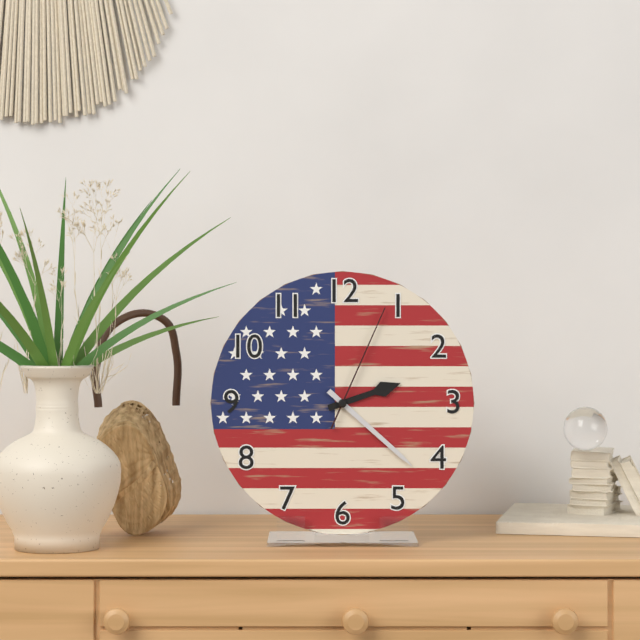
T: 2 h 22 min 04 s
